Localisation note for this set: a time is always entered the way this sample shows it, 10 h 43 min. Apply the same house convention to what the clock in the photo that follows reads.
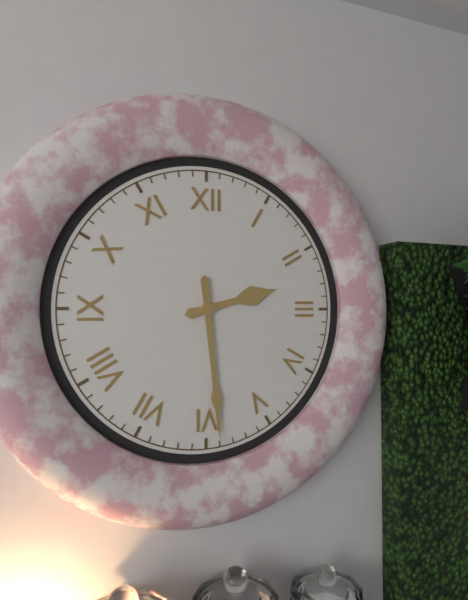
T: 2 h 29 min
